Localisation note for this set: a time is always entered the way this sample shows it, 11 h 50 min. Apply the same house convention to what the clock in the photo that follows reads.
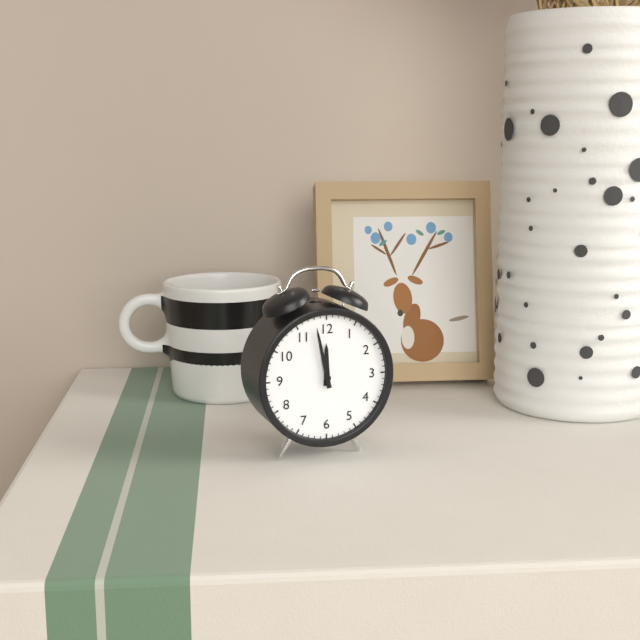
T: 11 h 58 min
